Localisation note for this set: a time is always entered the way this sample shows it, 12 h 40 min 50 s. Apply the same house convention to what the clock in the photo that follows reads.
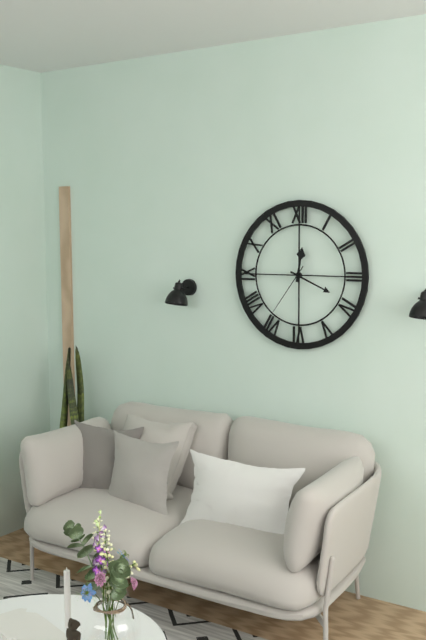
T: 12 h 19 min 36 s
